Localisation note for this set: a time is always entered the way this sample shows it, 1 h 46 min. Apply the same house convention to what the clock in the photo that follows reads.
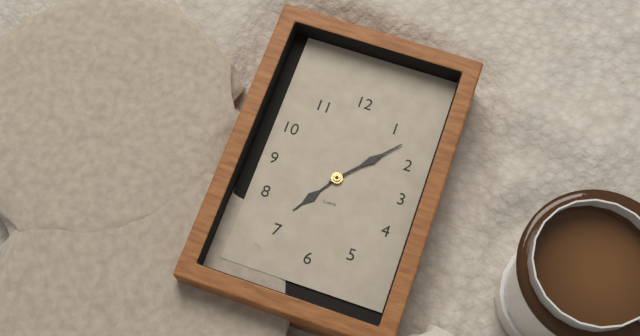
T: 7 h 07 min
